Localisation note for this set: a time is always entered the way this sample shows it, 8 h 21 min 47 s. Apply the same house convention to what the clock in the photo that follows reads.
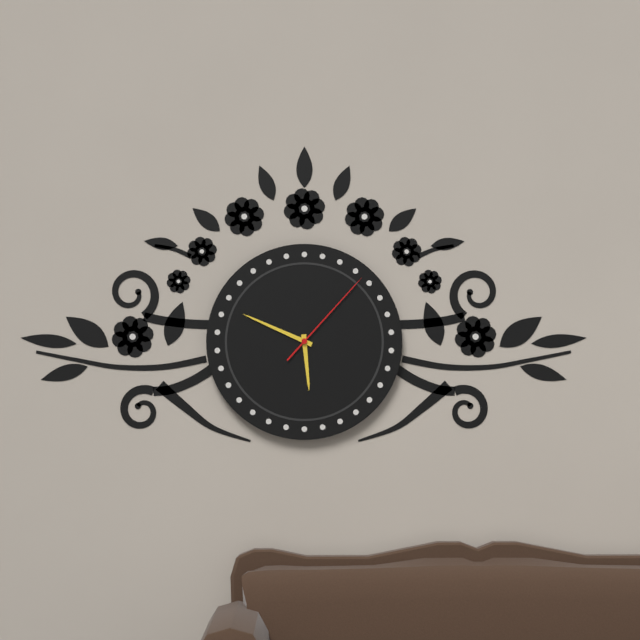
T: 5 h 49 min 07 s
